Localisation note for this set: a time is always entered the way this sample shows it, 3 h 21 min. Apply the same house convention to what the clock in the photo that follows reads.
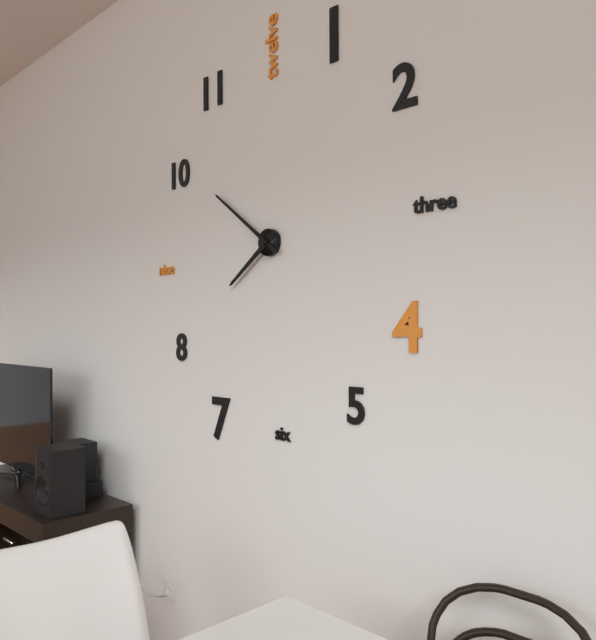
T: 7 h 51 min
